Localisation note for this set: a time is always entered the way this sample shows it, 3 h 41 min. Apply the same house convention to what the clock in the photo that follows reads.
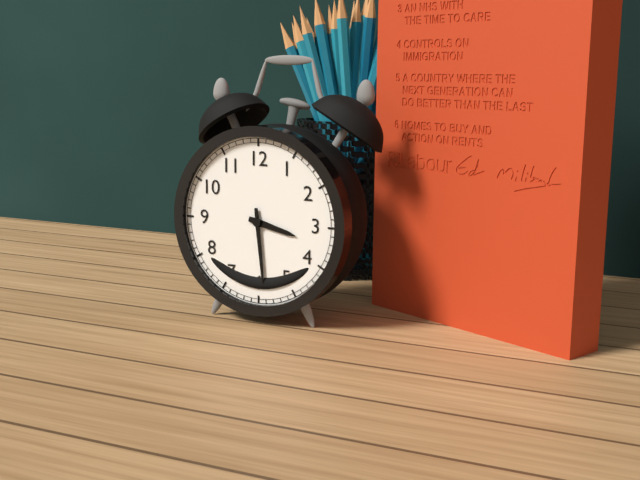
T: 3 h 29 min
